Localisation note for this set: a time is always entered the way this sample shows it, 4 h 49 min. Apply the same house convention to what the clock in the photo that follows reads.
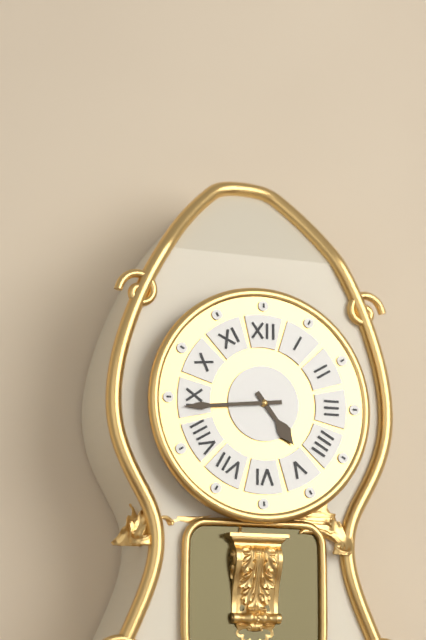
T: 4 h 44 min
